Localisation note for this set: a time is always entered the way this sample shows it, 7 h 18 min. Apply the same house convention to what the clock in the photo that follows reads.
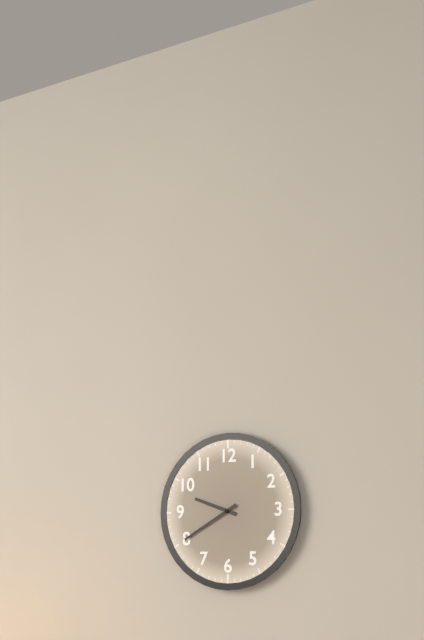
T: 9 h 40 min
